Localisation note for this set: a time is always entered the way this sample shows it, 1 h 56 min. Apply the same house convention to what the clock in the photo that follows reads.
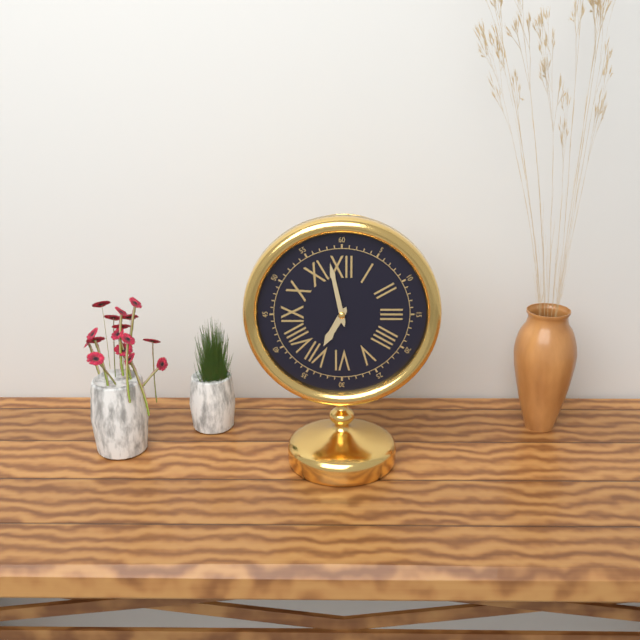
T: 6 h 58 min
